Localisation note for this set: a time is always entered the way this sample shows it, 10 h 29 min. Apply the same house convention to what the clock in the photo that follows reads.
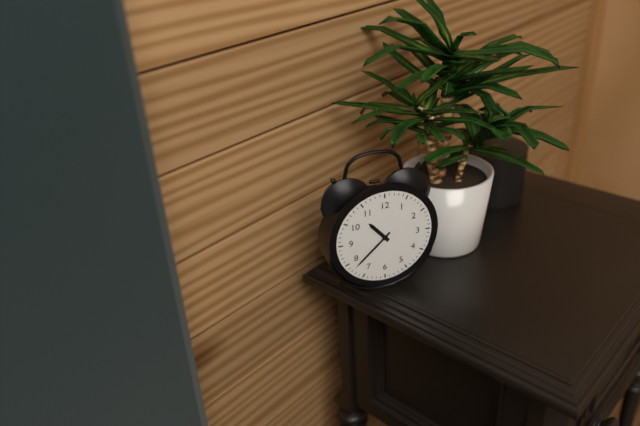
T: 10 h 38 min
